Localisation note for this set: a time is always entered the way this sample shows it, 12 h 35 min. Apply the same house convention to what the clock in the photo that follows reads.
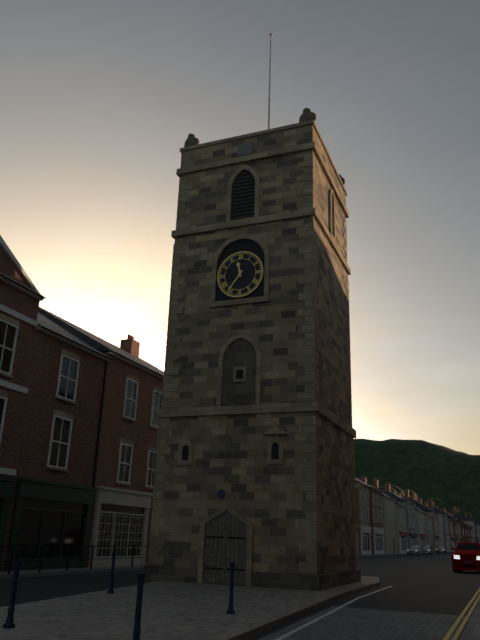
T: 11 h 36 min
